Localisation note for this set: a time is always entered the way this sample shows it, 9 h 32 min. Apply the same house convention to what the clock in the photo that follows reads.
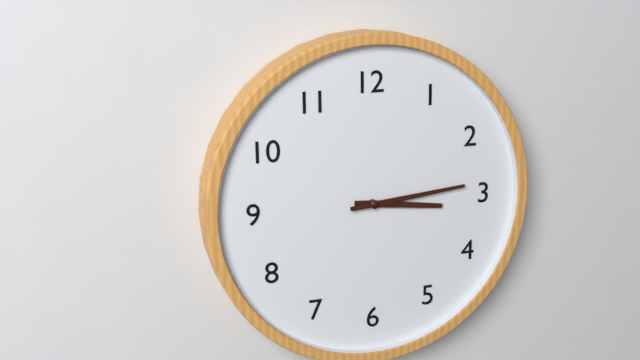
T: 3 h 14 min
